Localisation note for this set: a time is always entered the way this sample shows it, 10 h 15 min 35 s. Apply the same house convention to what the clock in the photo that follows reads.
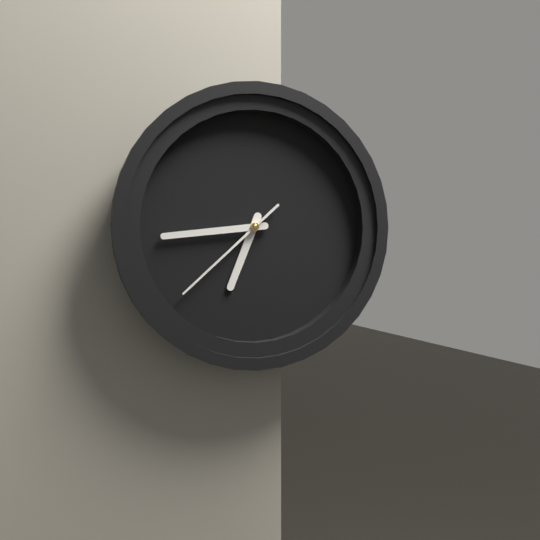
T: 6 h 44 min 38 s
